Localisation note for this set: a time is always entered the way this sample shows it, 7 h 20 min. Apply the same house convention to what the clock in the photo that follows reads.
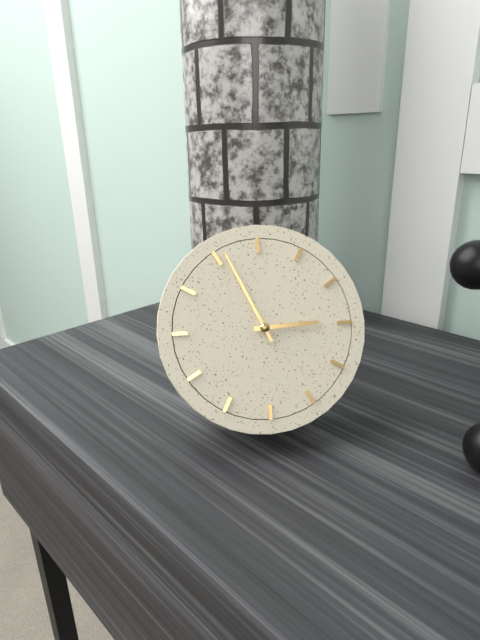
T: 2 h 56 min
